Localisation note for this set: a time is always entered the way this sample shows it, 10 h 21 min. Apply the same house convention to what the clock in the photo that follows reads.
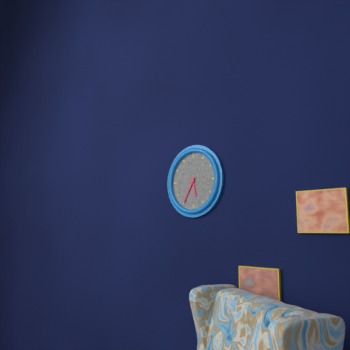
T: 5 h 35 min
